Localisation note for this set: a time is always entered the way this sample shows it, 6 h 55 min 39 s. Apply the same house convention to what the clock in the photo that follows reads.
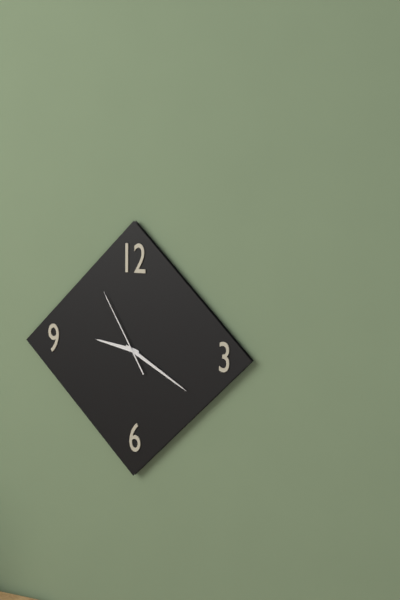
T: 9 h 20 min 55 s
